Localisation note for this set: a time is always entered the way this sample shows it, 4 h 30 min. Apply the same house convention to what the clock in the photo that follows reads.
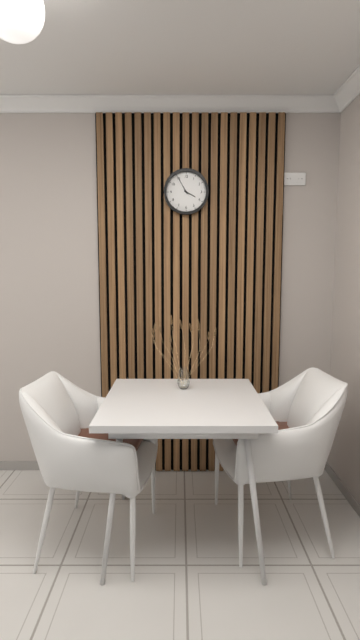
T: 3 h 55 min
